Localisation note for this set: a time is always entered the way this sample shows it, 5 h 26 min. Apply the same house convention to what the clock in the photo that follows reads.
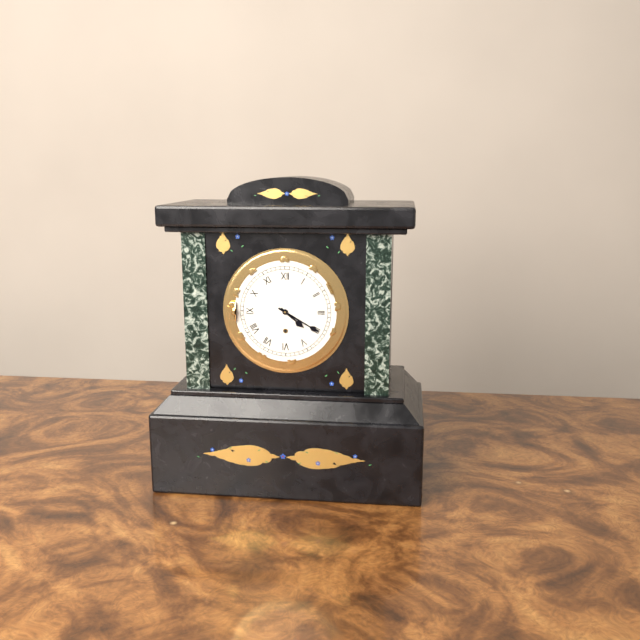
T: 4 h 20 min
